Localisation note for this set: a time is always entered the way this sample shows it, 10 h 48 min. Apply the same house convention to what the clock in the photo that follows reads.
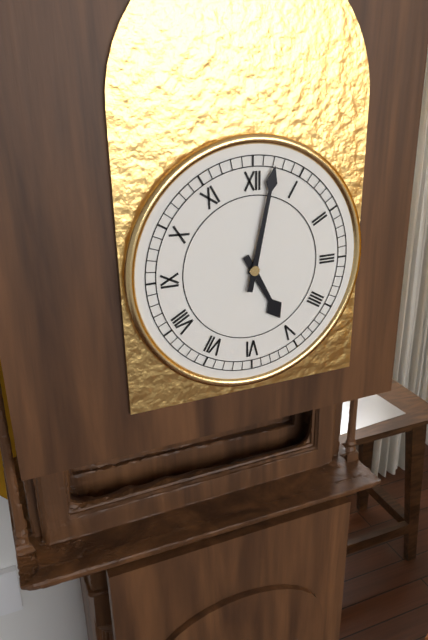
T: 5 h 02 min
